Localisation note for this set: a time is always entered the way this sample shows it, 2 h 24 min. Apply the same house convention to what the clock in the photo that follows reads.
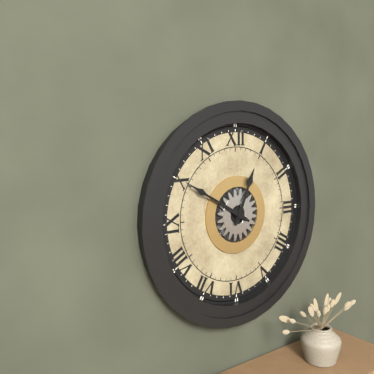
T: 12 h 50 min
